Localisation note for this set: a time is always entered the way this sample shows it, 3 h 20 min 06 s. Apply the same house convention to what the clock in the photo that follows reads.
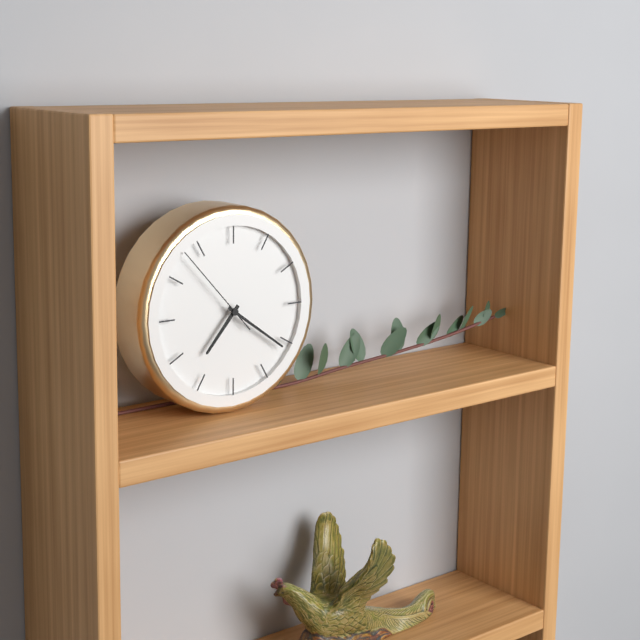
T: 7 h 21 min 53 s
